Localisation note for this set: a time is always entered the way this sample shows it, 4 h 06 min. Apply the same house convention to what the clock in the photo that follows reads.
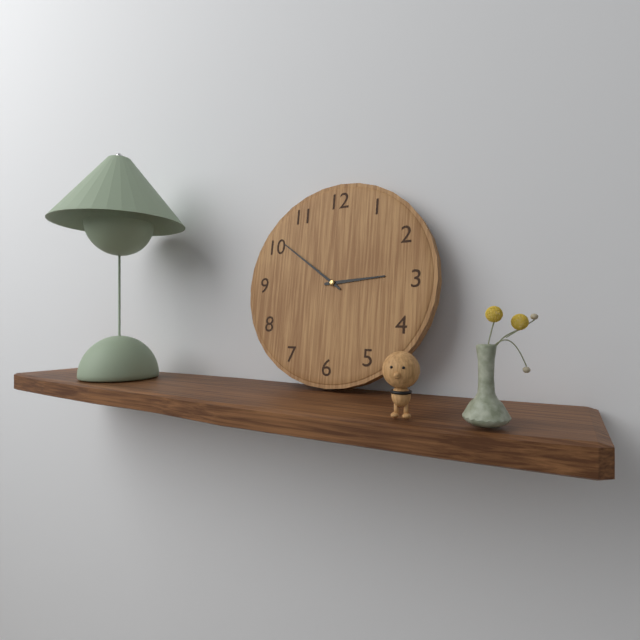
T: 2 h 51 min
